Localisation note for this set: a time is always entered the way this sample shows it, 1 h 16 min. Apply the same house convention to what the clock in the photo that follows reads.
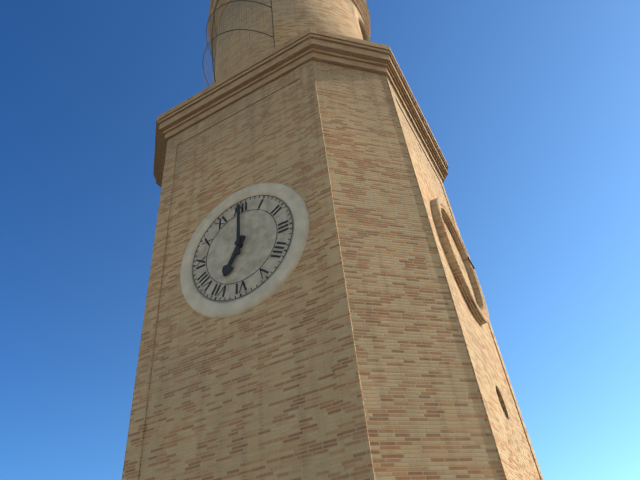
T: 7 h 00 min
